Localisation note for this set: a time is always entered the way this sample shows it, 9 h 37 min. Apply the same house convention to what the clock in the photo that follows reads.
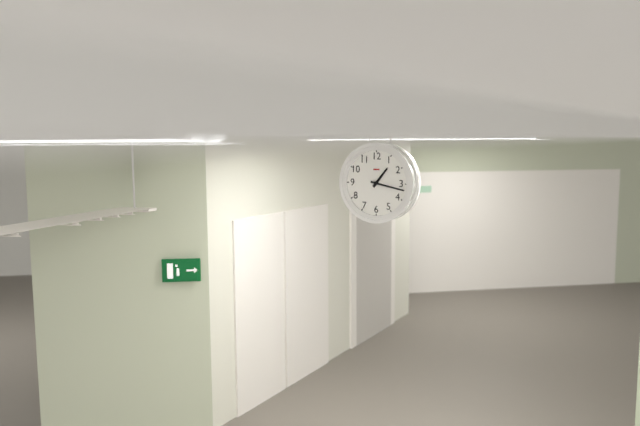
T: 1 h 17 min
